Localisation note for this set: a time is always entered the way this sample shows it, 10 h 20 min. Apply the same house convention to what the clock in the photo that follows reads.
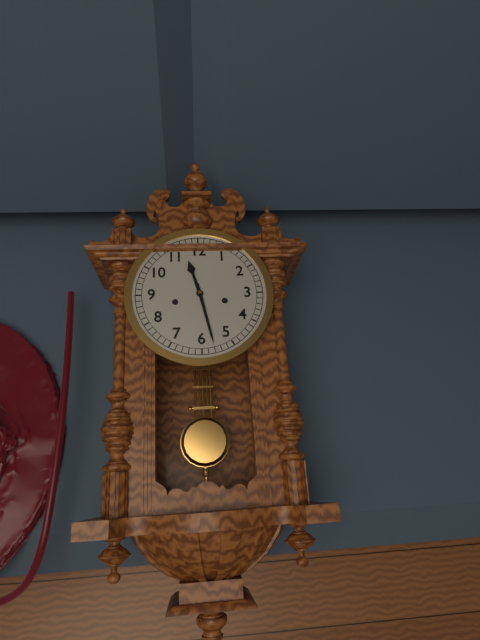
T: 11 h 28 min
